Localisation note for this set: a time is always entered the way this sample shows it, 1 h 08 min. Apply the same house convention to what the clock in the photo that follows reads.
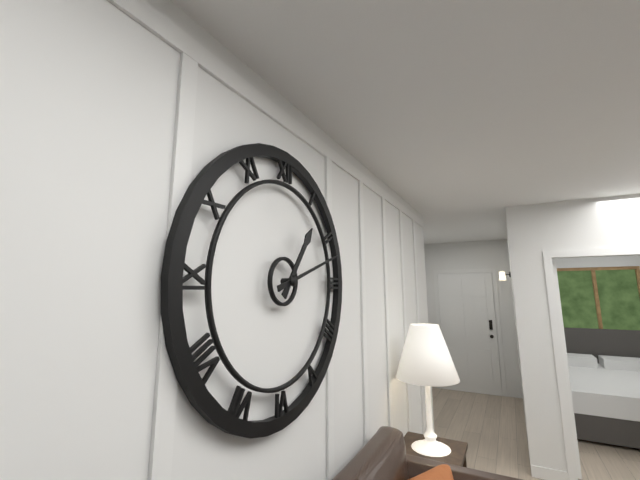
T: 1 h 12 min
